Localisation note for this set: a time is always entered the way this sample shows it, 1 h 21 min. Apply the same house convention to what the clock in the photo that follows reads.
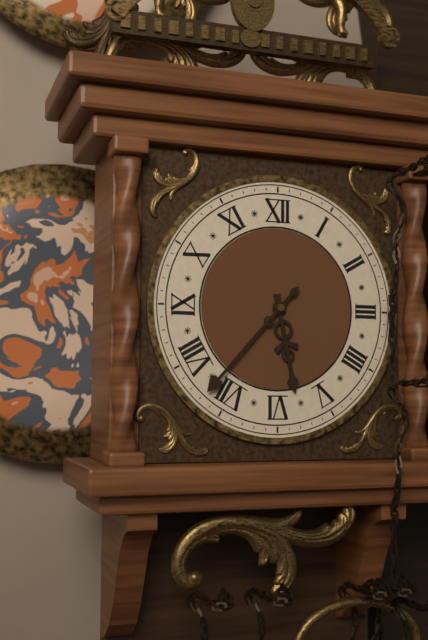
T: 5 h 37 min
